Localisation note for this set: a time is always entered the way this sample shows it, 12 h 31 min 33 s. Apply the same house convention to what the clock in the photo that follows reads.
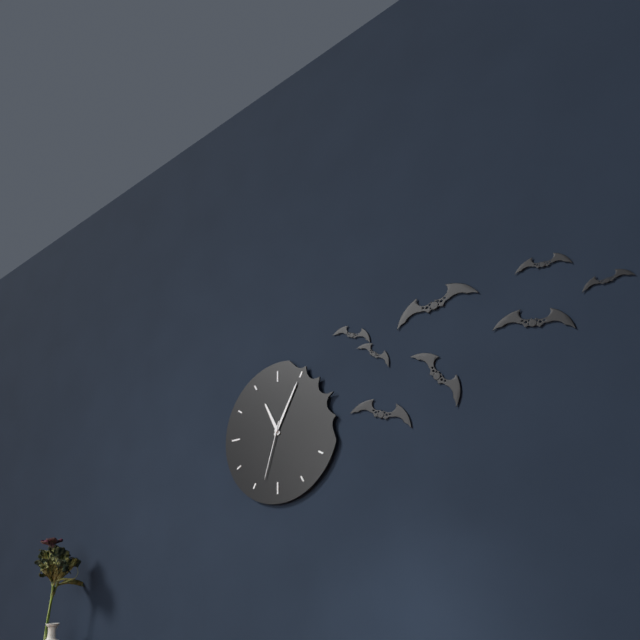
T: 11 h 05 min 33 s
